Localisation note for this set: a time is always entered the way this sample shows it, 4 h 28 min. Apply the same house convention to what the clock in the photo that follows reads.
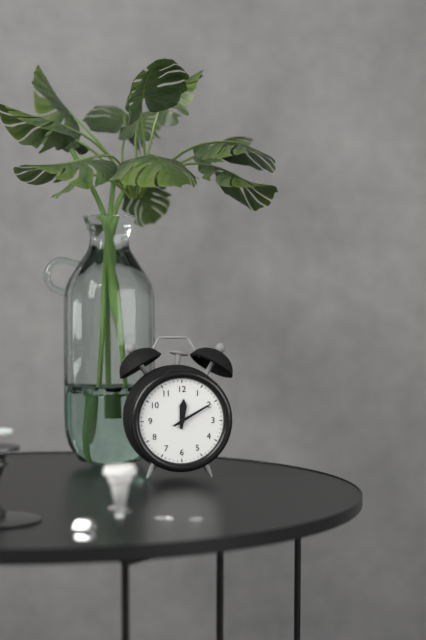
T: 12 h 10 min
